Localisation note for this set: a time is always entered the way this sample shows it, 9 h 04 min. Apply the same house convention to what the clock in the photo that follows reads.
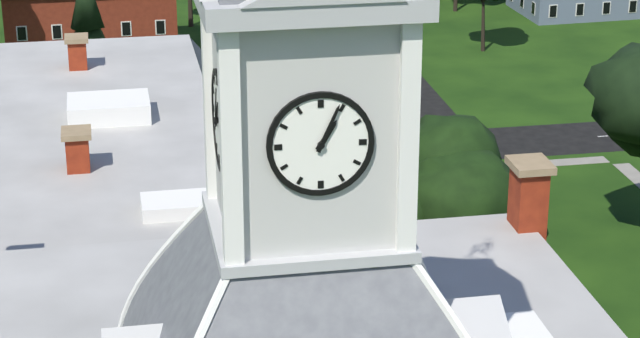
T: 1 h 04 min
